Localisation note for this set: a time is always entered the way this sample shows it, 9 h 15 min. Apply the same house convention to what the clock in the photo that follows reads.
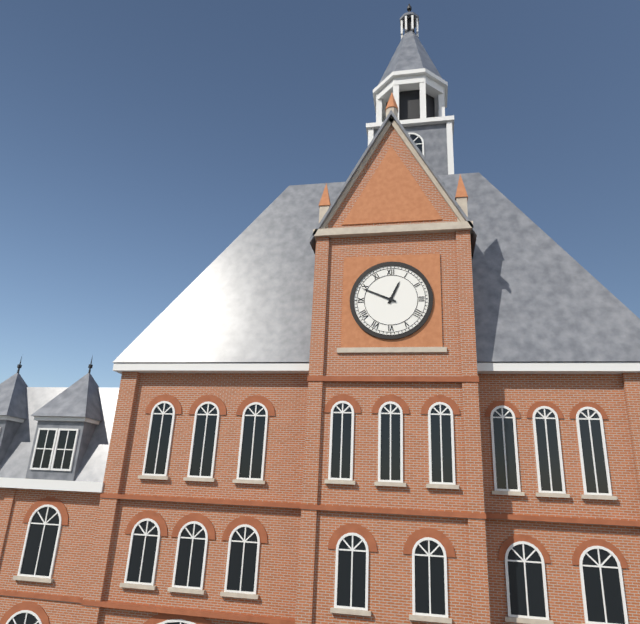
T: 12 h 49 min
